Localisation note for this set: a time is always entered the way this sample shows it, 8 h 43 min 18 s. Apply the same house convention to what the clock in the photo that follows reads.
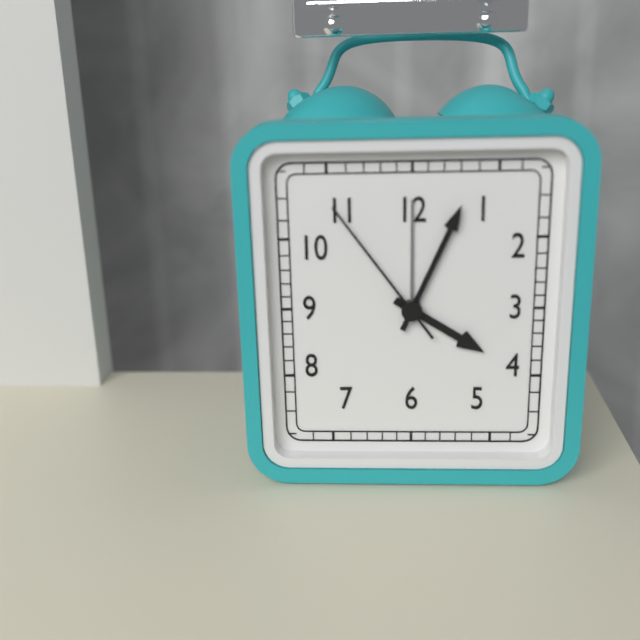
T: 4 h 04 min 54 s
